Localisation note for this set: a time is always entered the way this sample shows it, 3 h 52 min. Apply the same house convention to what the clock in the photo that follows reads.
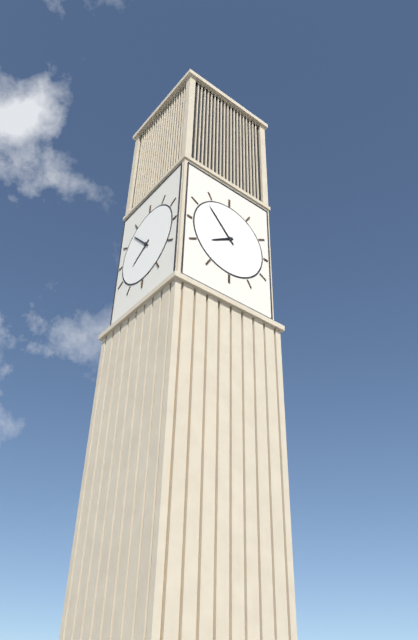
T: 7 h 53 min
